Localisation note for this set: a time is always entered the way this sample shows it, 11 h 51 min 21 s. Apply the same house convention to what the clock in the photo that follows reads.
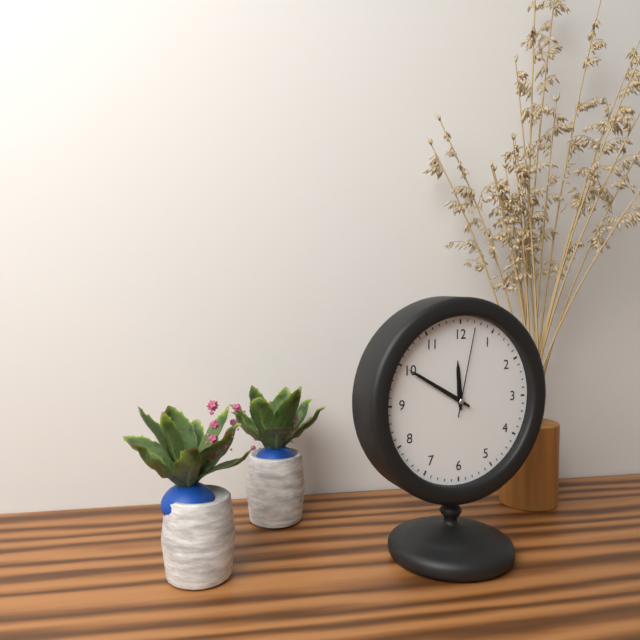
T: 11 h 50 min 02 s
